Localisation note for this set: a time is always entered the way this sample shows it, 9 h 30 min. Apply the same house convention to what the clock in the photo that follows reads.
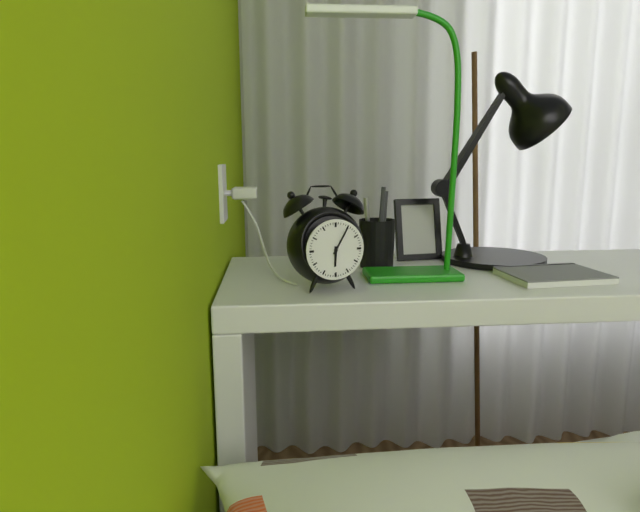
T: 6 h 05 min
